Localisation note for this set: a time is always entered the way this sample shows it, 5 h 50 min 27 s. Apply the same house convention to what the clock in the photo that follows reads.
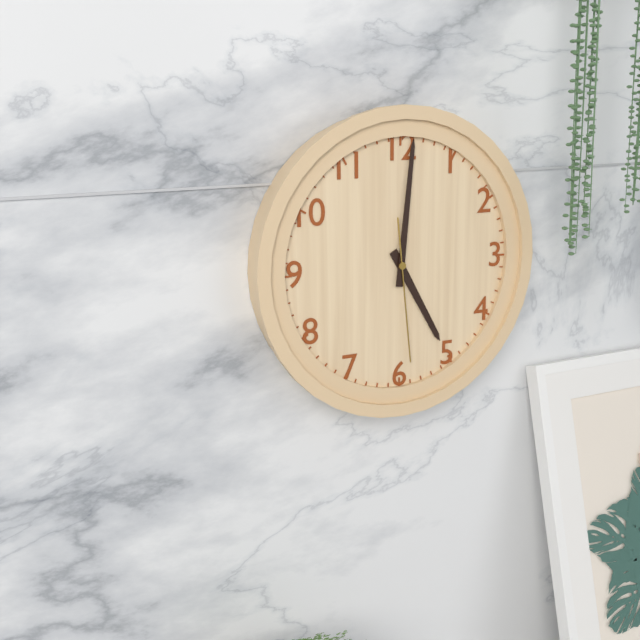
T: 5 h 01 min 29 s
